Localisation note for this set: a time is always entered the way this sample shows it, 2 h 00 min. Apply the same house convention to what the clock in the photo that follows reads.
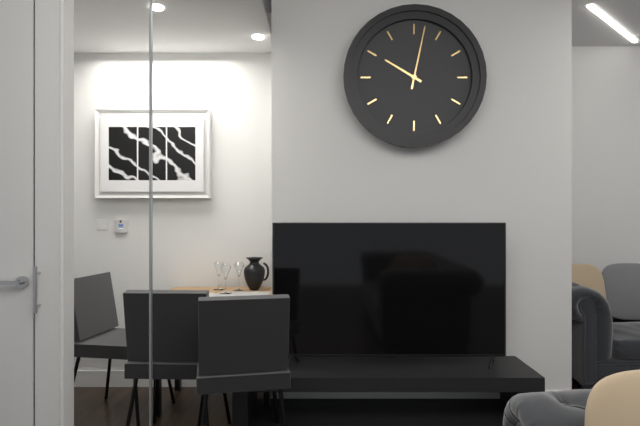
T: 10 h 02 min
